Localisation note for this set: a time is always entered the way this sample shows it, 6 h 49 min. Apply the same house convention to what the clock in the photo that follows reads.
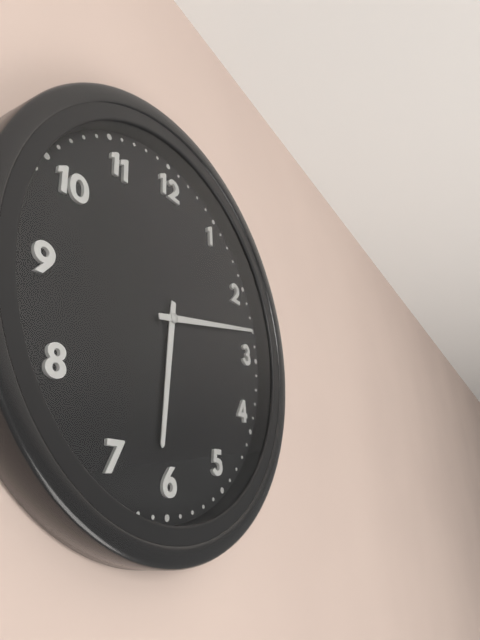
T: 6 h 13 min
